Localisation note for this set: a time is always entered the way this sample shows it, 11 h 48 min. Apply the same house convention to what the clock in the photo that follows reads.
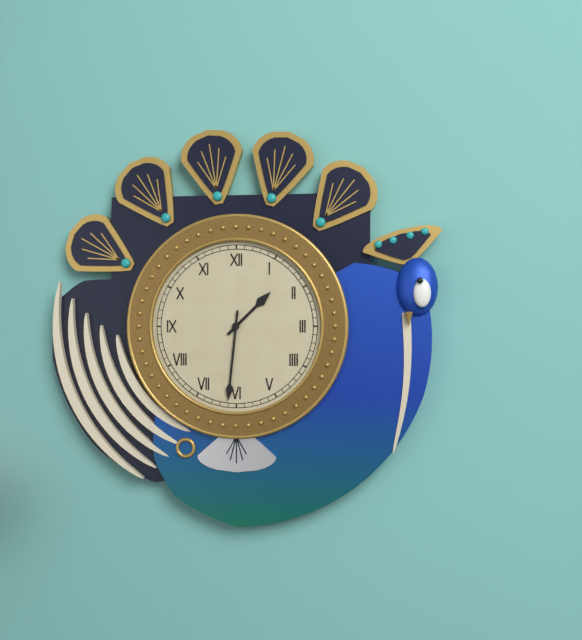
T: 1 h 31 min
